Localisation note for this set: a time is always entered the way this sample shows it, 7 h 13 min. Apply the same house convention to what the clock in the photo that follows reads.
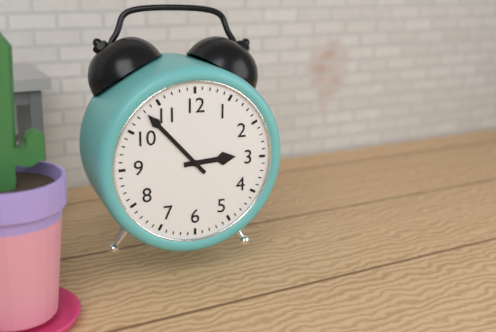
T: 2 h 53 min
